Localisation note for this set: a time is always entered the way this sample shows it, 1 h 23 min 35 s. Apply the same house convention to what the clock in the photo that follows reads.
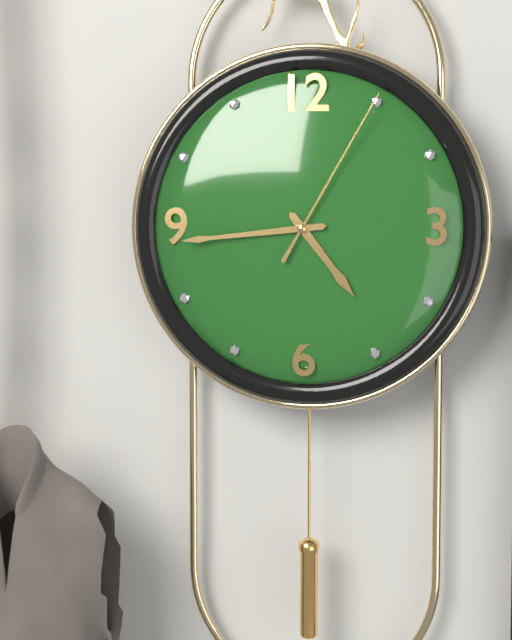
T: 4 h 44 min 05 s
